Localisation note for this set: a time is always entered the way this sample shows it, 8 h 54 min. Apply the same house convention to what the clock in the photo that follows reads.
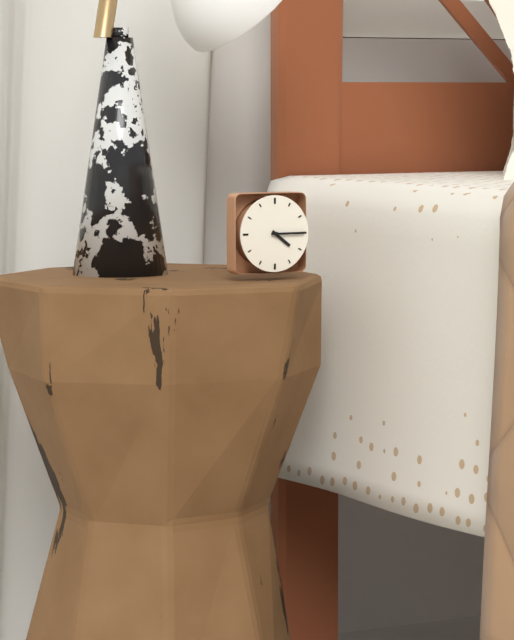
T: 4 h 15 min
